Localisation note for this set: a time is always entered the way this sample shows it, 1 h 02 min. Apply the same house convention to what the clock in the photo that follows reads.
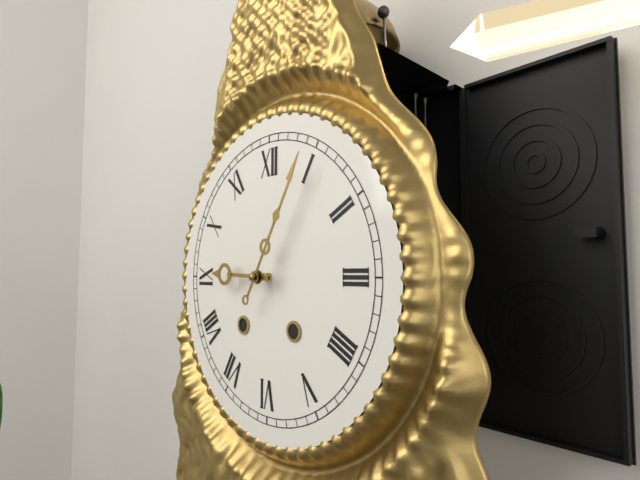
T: 9 h 05 min
